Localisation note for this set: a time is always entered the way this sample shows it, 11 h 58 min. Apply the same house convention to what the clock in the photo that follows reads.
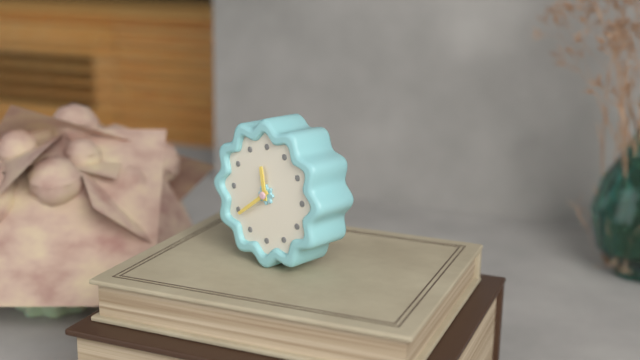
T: 11 h 39 min
